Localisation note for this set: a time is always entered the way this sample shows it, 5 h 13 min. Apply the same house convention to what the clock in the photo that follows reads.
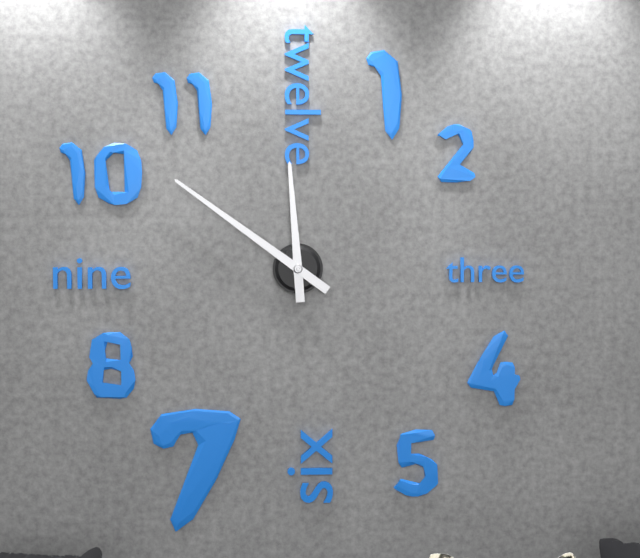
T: 11 h 51 min
